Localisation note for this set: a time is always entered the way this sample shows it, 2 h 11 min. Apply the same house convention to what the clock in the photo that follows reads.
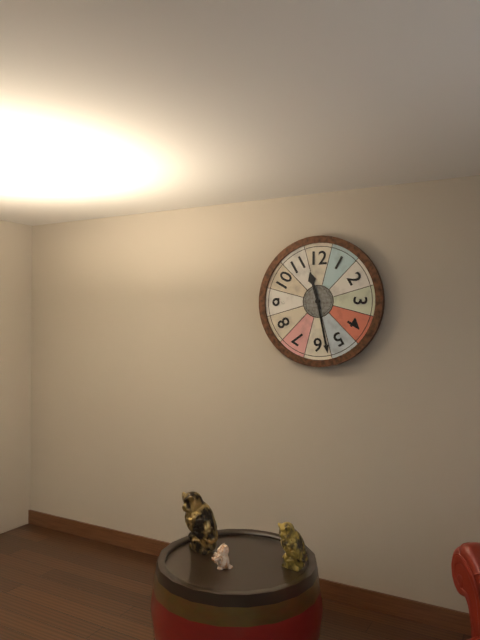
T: 11 h 28 min
